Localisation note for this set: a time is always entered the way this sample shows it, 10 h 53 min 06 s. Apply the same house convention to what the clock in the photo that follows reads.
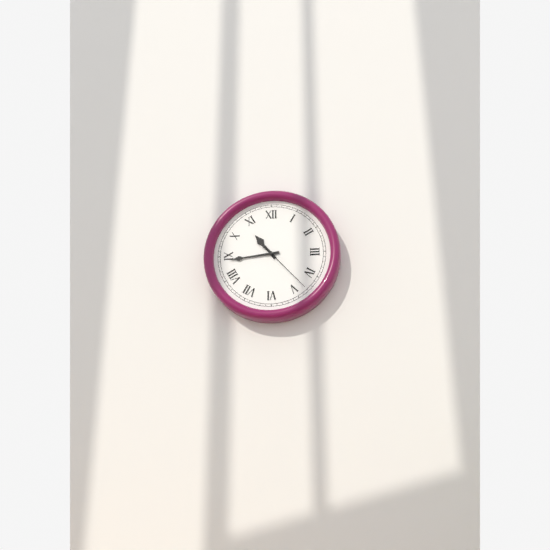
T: 10 h 44 min 23 s
